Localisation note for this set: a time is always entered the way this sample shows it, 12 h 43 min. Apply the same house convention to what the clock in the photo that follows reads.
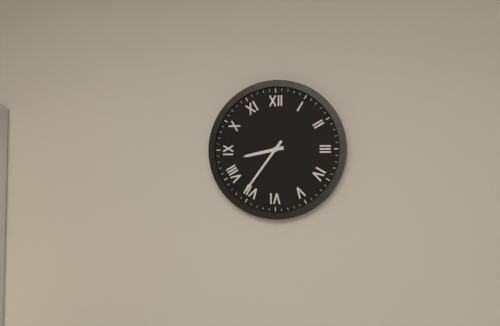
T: 8 h 36 min
